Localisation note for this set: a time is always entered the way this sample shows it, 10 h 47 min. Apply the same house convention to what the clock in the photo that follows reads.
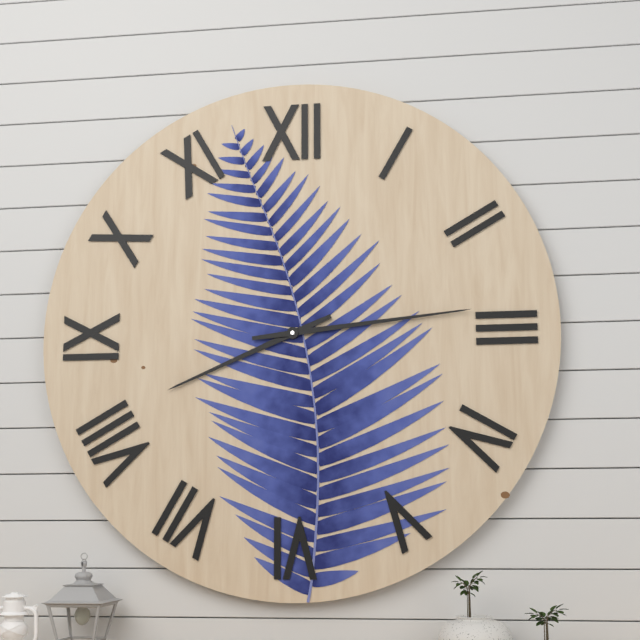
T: 8 h 14 min
